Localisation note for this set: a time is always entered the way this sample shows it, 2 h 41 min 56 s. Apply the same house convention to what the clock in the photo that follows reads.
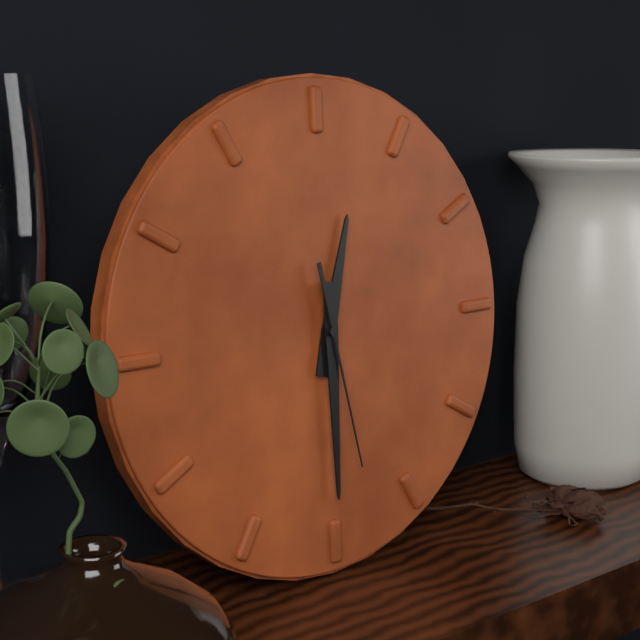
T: 12 h 30 min 28 s
